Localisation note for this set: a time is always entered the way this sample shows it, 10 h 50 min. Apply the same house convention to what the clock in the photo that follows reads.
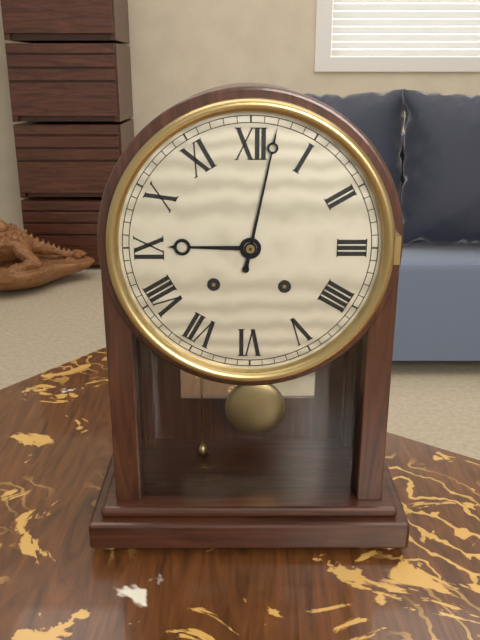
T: 9 h 02 min
